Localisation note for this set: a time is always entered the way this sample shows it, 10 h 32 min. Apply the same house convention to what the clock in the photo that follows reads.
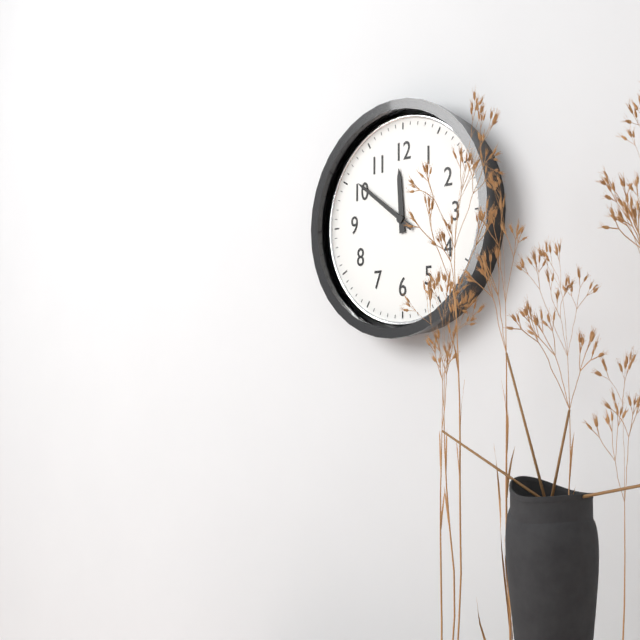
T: 11 h 51 min
